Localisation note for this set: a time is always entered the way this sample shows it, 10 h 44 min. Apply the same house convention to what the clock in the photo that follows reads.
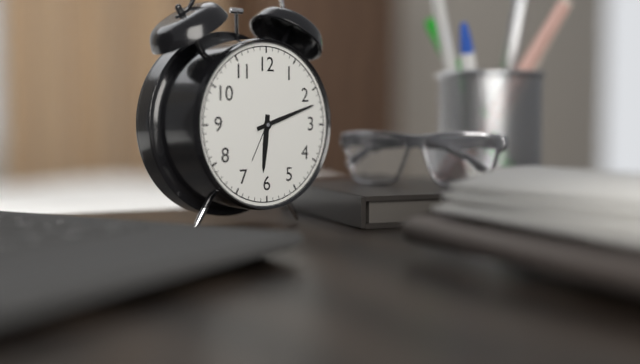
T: 6 h 12 min
